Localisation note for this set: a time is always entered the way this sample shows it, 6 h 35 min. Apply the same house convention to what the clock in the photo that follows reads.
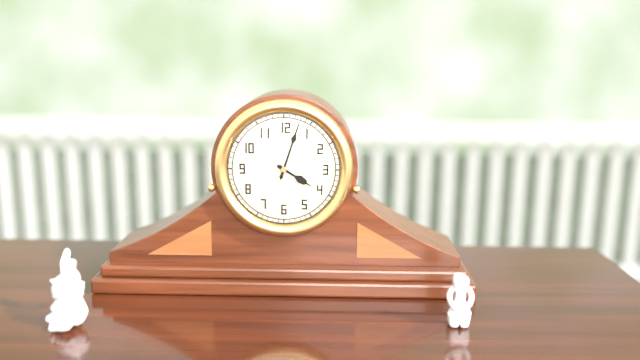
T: 4 h 03 min
